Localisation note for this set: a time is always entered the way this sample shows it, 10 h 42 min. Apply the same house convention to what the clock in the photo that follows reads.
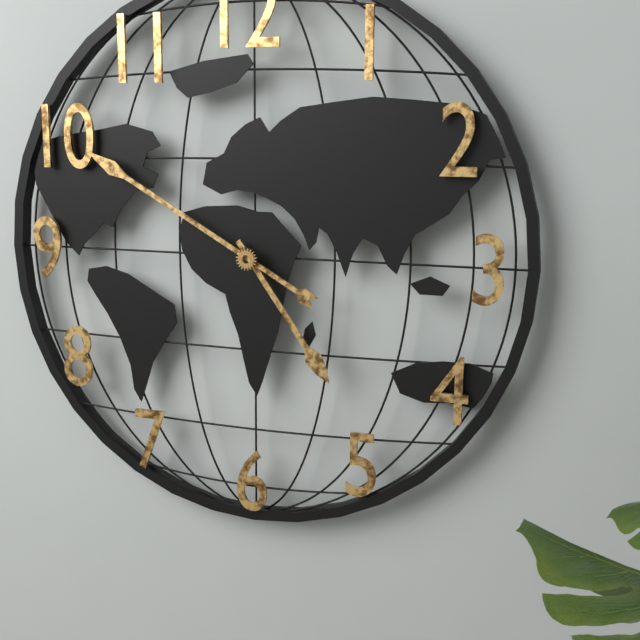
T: 4 h 50 min
